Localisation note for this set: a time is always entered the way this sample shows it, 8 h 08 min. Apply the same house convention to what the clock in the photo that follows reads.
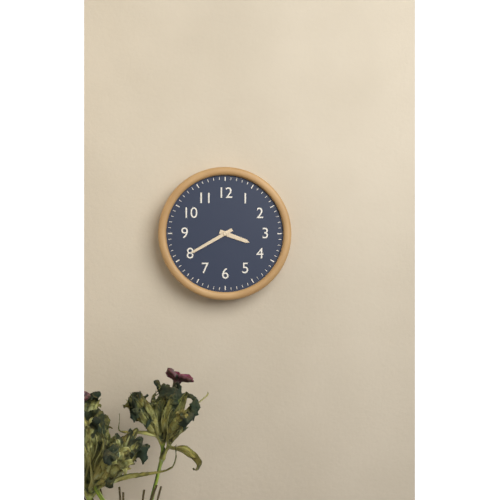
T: 3 h 40 min
